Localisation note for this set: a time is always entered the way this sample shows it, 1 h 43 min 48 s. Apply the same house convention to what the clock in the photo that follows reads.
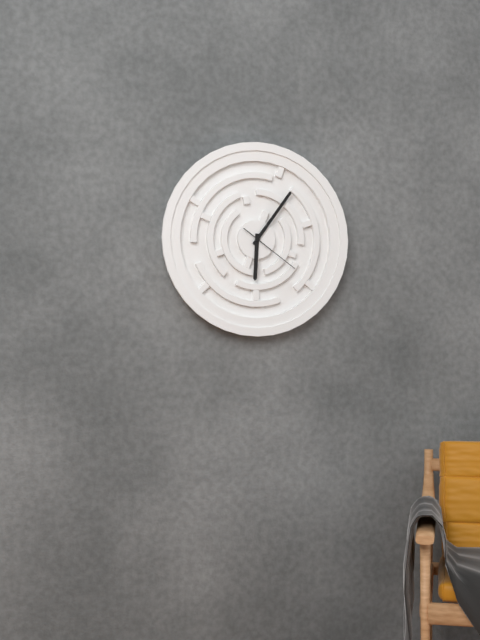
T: 6 h 06 min 21 s
